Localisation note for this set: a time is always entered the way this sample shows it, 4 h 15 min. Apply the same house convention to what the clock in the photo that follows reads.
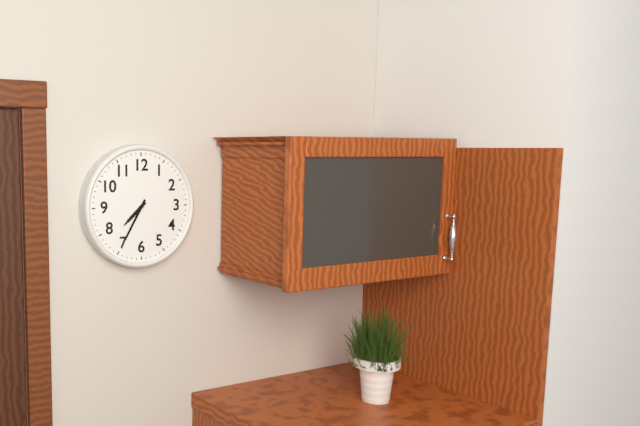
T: 7 h 35 min
